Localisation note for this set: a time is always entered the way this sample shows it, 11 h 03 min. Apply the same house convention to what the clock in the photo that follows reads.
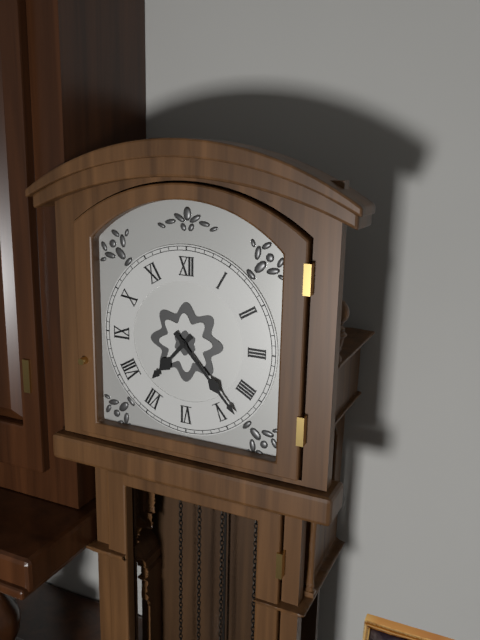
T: 7 h 23 min
